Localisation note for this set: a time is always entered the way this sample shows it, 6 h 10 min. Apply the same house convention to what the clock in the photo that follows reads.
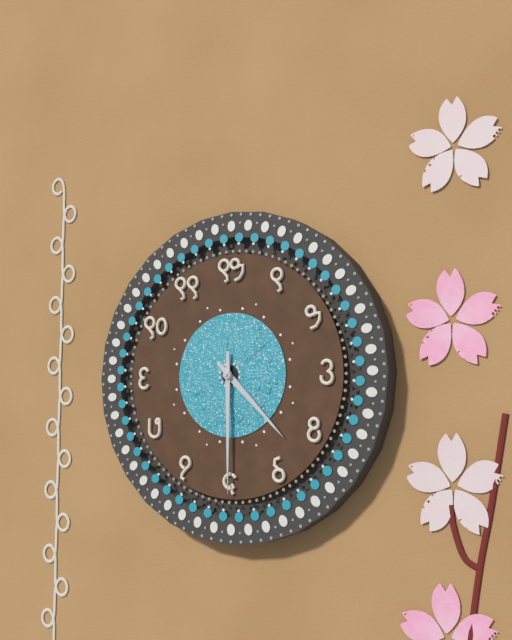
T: 4 h 30 min
